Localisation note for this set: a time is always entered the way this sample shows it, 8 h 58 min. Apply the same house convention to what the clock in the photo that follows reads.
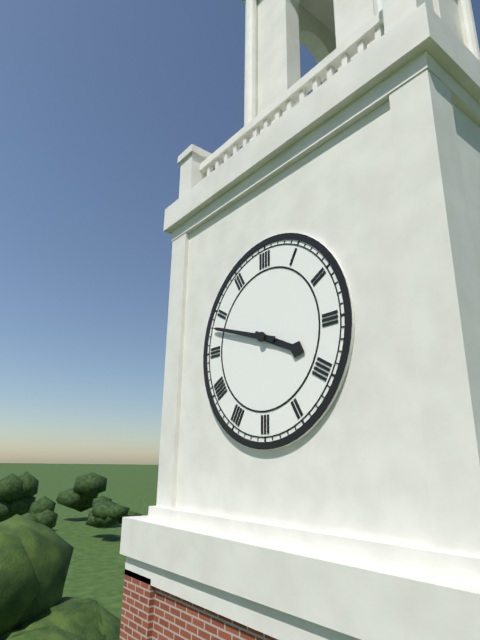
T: 3 h 48 min
